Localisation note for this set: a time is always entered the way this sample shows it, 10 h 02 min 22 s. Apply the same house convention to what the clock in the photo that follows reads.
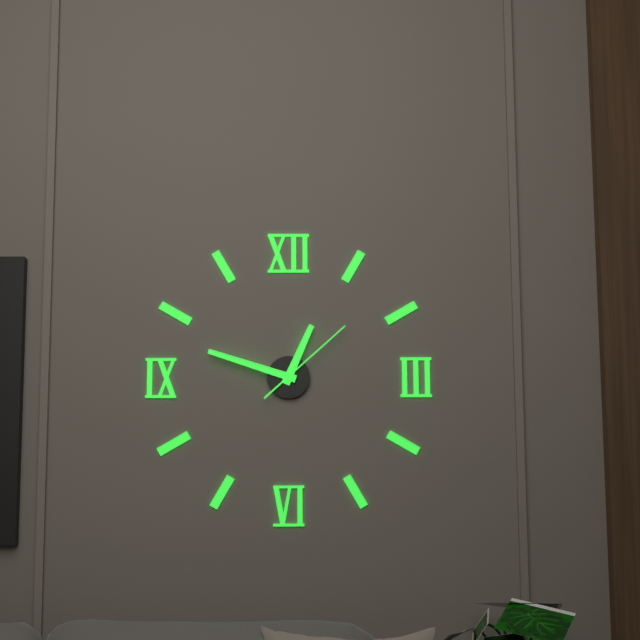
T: 12 h 48 min 08 s
